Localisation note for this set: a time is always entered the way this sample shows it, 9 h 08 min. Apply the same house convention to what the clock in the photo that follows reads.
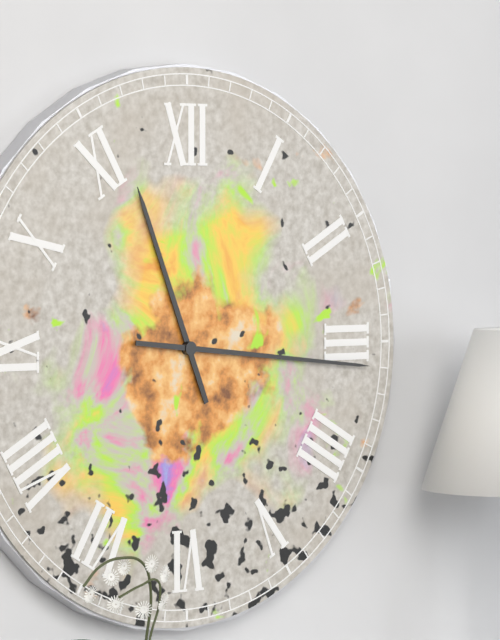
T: 11 h 16 min
